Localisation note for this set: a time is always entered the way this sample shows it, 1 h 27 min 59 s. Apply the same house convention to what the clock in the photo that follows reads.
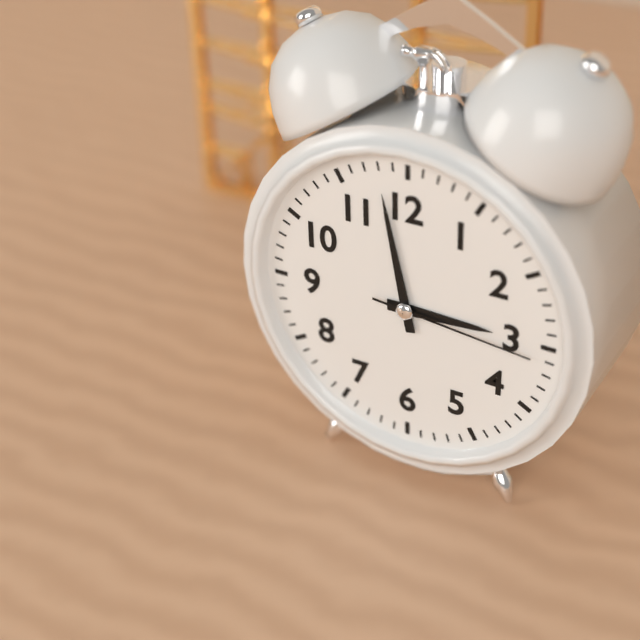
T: 2 h 58 min 16 s
